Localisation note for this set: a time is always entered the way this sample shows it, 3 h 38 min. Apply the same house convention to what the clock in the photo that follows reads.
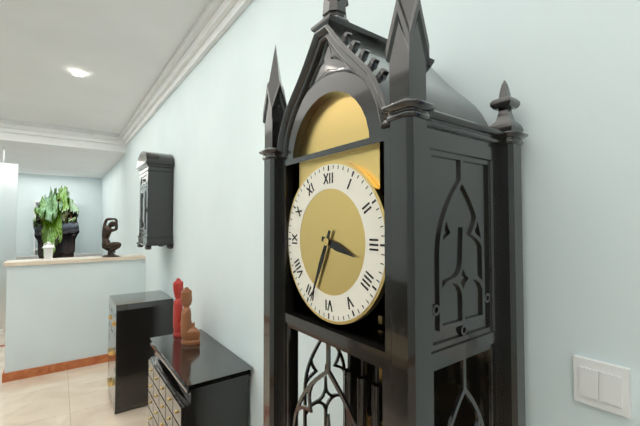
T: 3 h 34 min
